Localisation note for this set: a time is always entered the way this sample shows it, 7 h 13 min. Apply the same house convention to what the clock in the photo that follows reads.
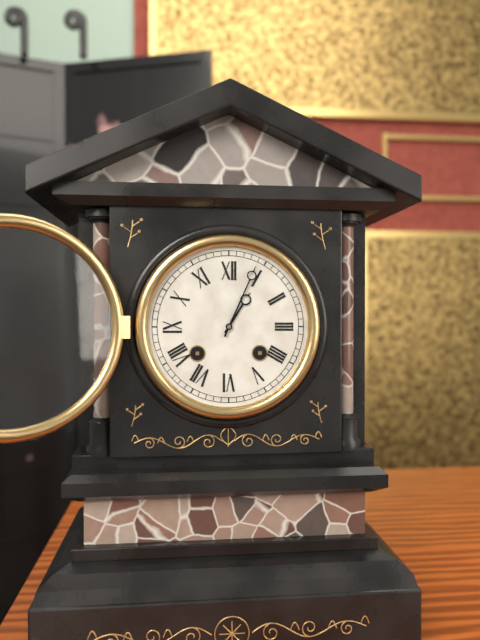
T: 1 h 04 min
